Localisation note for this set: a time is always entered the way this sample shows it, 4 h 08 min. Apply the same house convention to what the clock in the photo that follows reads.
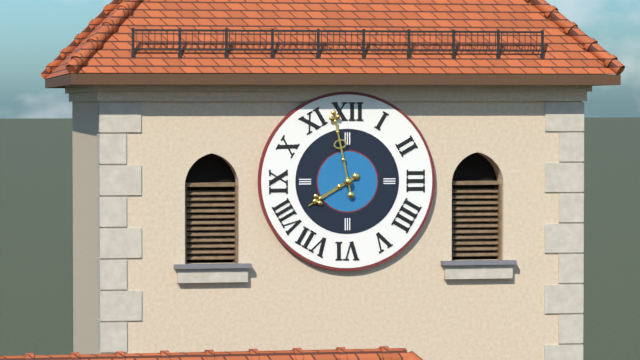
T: 7 h 58 min
